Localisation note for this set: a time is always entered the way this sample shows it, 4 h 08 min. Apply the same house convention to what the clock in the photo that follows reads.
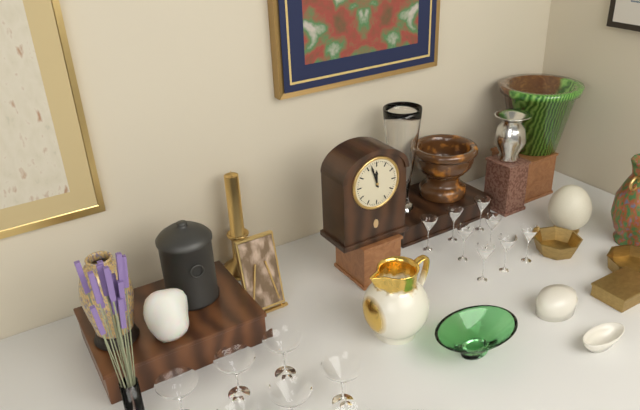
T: 11 h 57 min
